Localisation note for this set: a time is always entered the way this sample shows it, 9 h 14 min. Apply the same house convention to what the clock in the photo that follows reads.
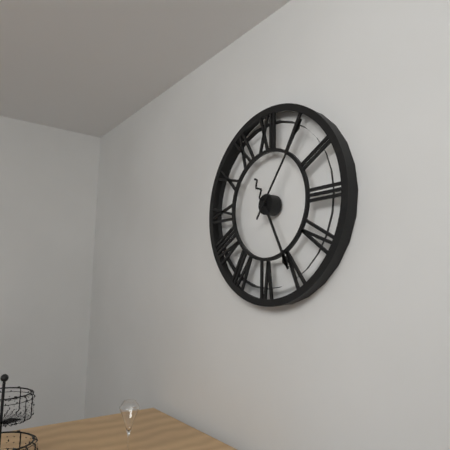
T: 5 h 06 min
